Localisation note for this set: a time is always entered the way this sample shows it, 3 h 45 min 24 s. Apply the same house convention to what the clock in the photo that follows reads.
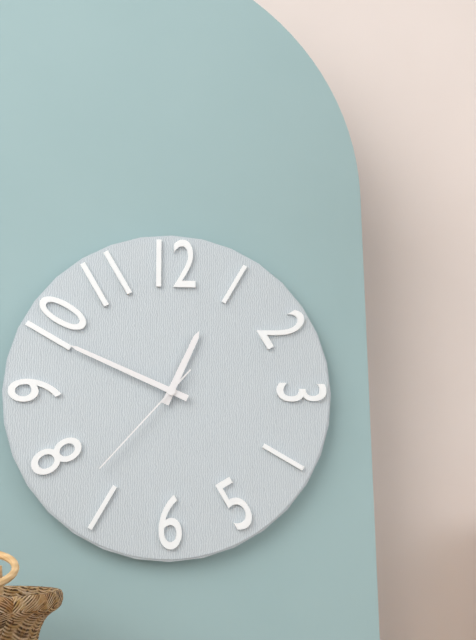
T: 12 h 49 min 37 s
